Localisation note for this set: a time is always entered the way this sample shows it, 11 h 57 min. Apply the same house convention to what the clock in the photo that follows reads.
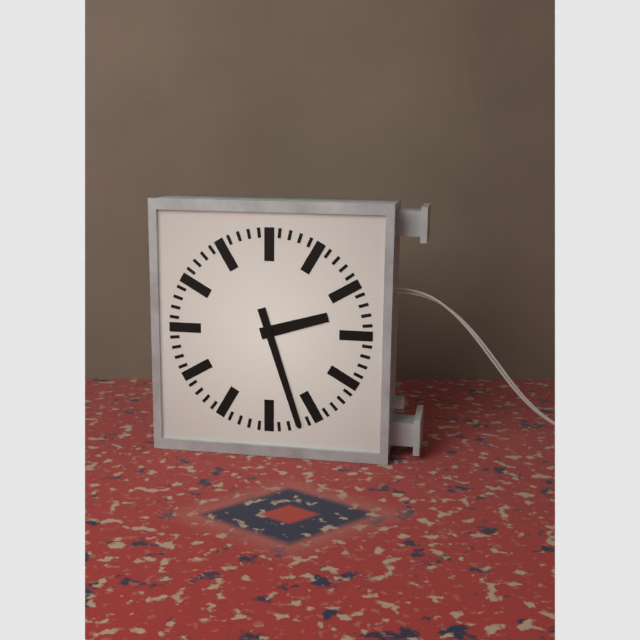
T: 2 h 27 min
